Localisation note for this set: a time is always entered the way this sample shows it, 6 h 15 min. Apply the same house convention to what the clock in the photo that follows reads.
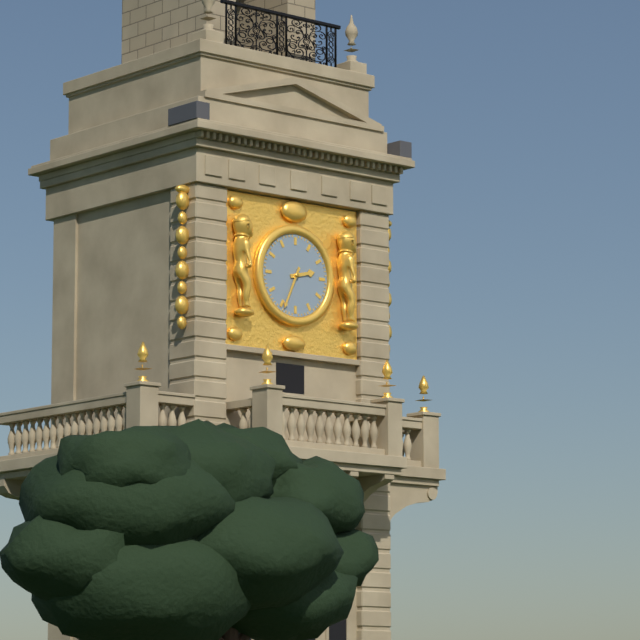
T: 2 h 34 min
